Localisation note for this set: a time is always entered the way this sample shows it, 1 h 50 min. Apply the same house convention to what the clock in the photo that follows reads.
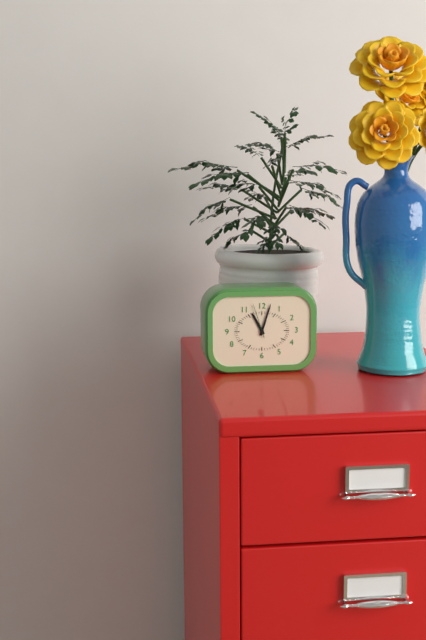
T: 11 h 03 min
